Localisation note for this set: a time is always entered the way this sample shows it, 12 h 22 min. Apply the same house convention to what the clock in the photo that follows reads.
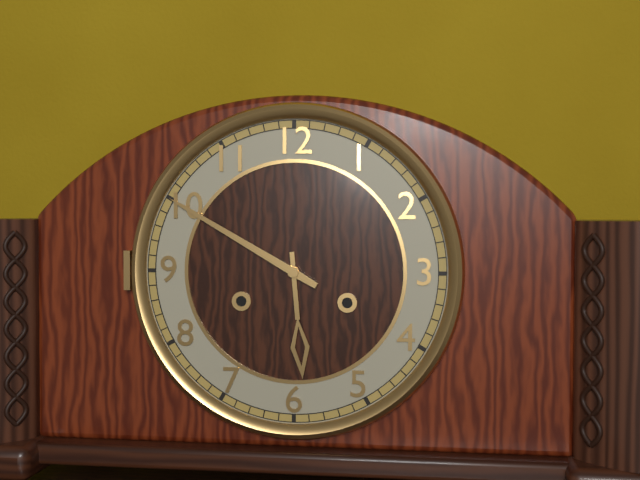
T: 5 h 50 min
